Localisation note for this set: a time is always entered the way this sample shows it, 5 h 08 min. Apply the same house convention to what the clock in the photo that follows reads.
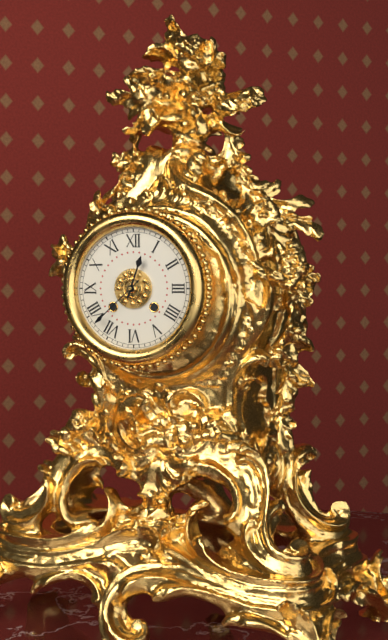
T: 12 h 38 min
